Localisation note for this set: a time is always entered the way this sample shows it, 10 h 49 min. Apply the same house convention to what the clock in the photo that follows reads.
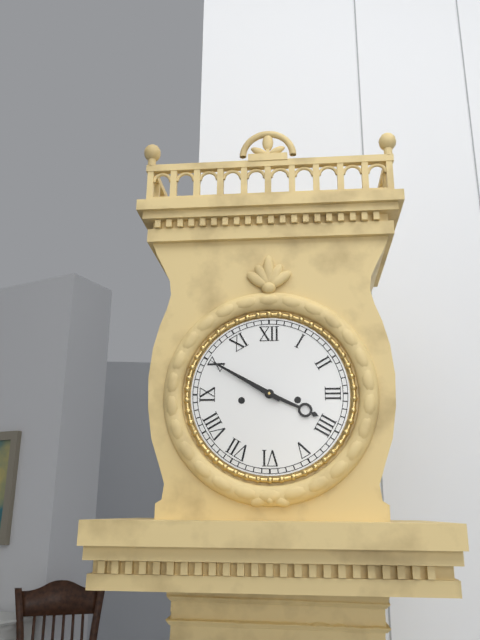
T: 3 h 50 min
